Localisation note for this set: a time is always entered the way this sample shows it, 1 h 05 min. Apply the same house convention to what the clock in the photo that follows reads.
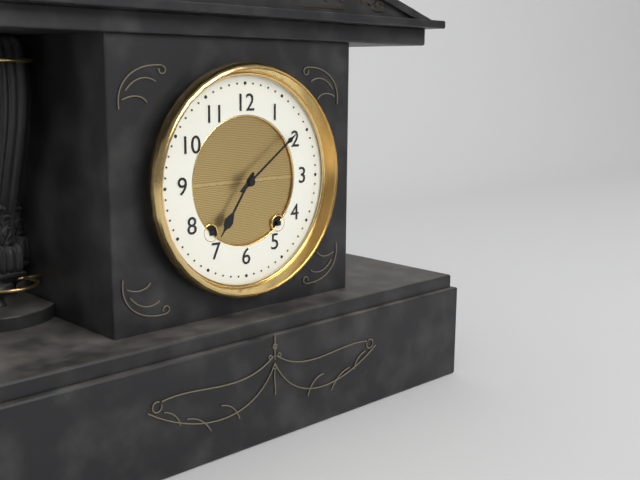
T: 7 h 09 min
